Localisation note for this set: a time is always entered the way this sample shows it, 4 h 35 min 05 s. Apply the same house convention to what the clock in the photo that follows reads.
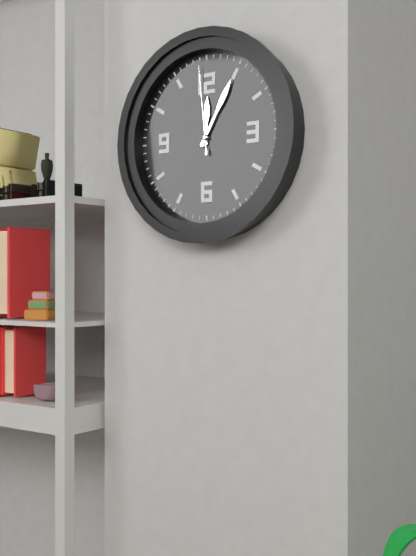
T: 12 h 05 min 59 s
